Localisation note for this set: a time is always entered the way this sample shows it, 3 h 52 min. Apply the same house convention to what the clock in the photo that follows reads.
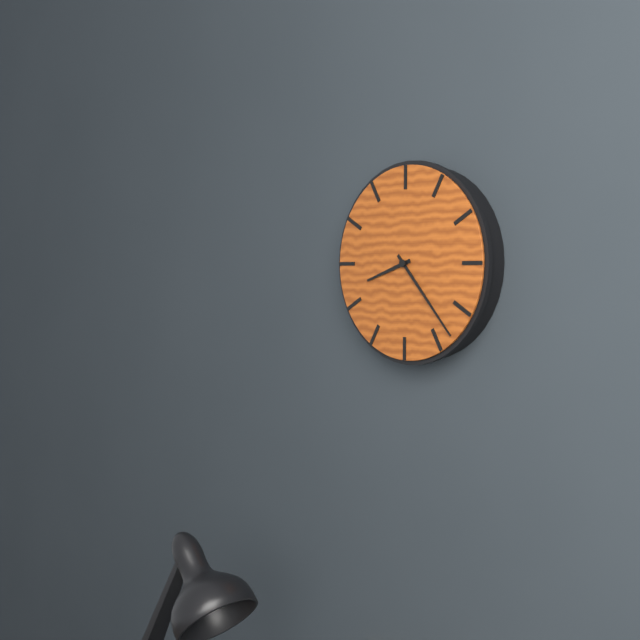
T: 8 h 23 min
